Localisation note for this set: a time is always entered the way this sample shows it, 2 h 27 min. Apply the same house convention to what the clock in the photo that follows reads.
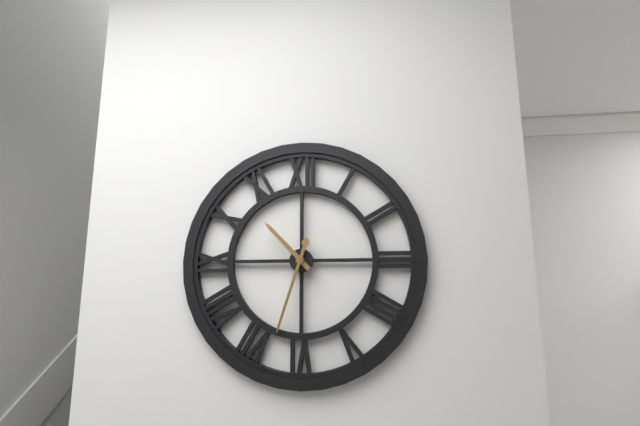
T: 10 h 33 min
